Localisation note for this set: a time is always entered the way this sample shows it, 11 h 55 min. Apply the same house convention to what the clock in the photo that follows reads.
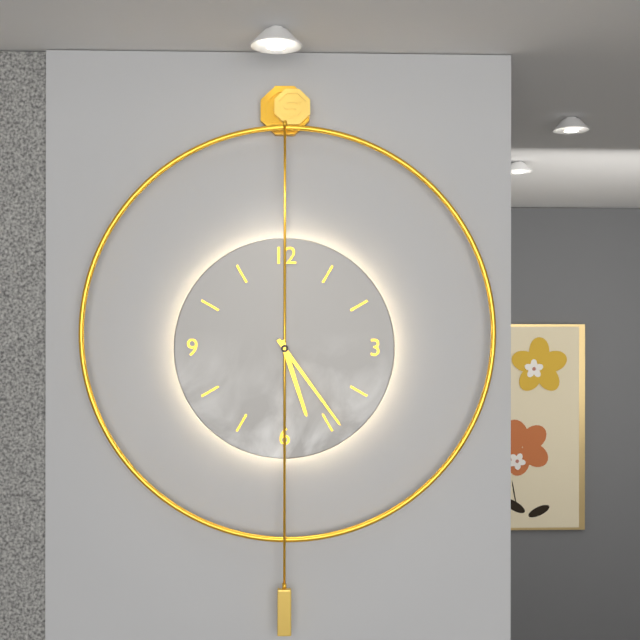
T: 5 h 24 min
